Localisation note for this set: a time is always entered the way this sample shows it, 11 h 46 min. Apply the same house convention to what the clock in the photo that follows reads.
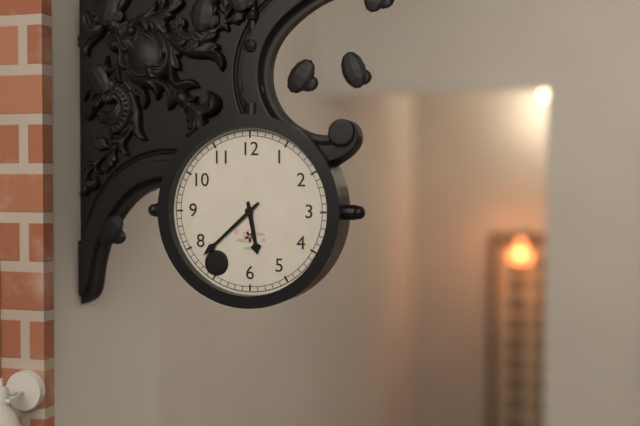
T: 5 h 38 min
